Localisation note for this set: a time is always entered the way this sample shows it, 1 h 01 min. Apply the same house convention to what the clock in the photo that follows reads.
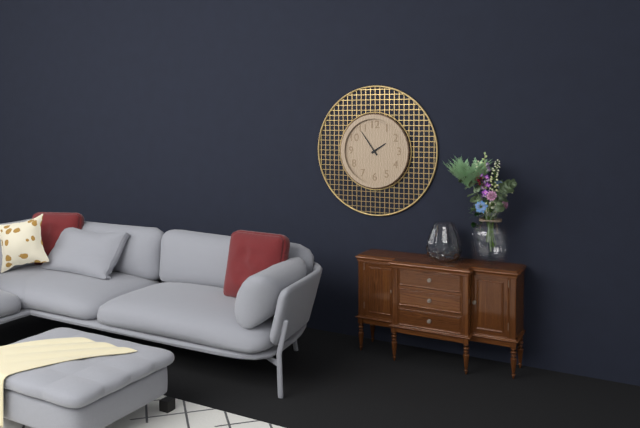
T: 1 h 54 min
